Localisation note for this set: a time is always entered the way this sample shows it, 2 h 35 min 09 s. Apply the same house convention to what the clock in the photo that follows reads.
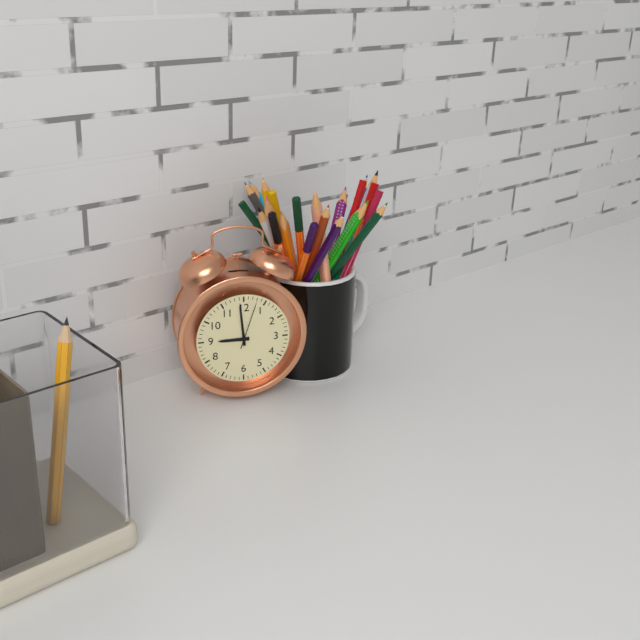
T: 8 h 59 min 03 s
